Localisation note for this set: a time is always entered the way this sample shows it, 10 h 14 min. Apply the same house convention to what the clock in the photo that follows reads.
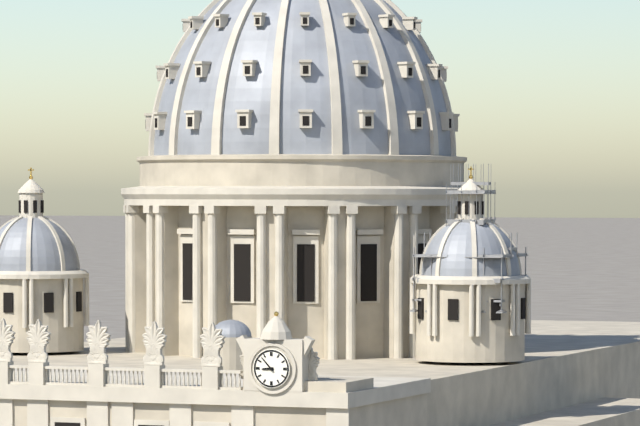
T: 8 h 53 min
